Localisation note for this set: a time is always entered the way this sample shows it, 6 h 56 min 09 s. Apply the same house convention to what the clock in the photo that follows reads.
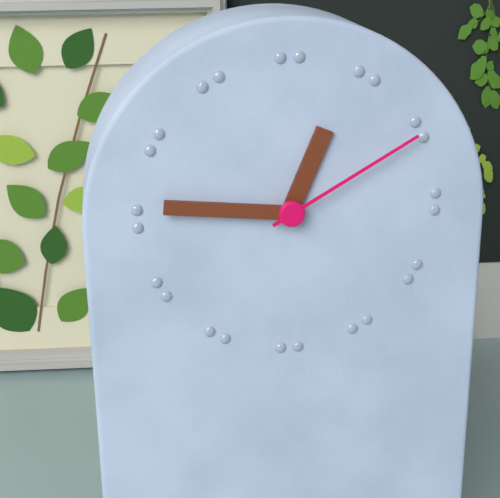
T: 12 h 46 min 10 s
